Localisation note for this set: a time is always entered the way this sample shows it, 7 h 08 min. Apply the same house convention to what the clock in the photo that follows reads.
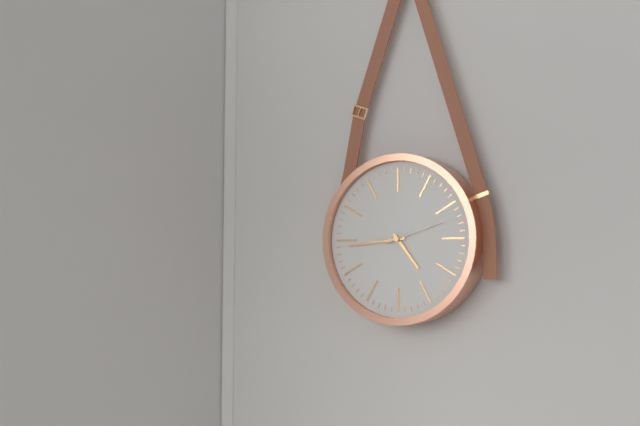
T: 4 h 44 min
